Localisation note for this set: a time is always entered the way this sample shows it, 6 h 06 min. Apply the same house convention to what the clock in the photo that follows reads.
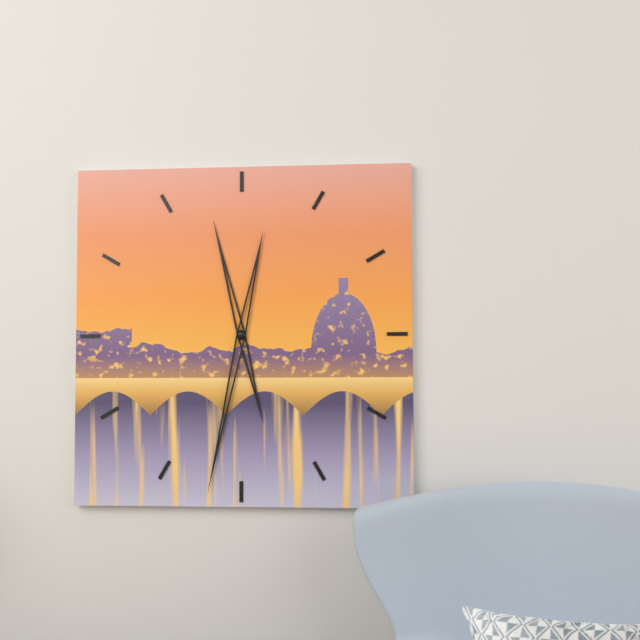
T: 11 h 32 min
